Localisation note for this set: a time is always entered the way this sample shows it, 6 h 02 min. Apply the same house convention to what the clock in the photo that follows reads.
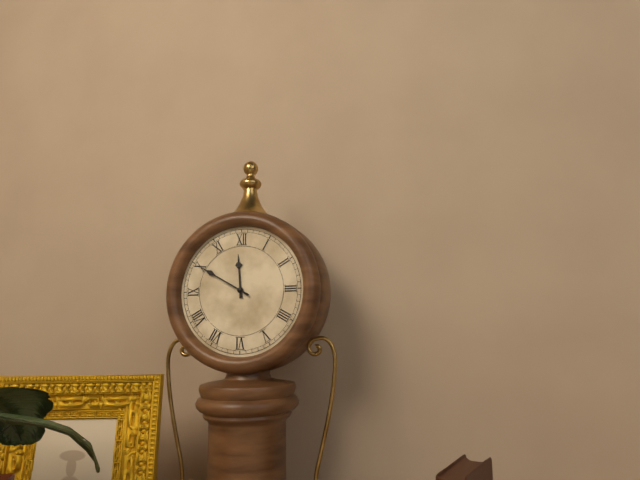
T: 11 h 50 min
